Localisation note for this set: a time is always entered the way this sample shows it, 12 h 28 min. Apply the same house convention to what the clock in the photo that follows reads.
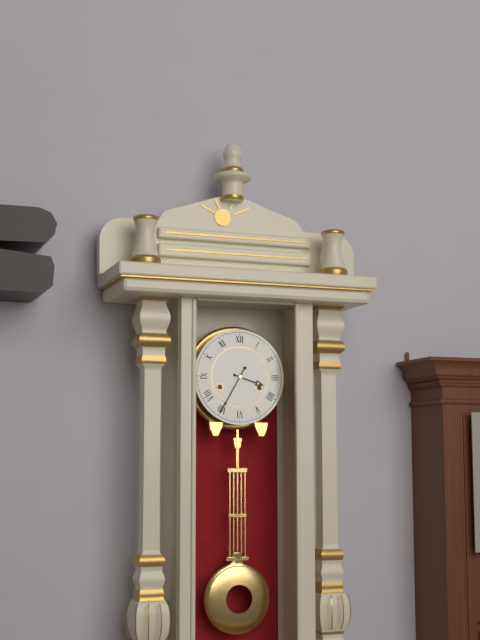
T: 3 h 35 min
